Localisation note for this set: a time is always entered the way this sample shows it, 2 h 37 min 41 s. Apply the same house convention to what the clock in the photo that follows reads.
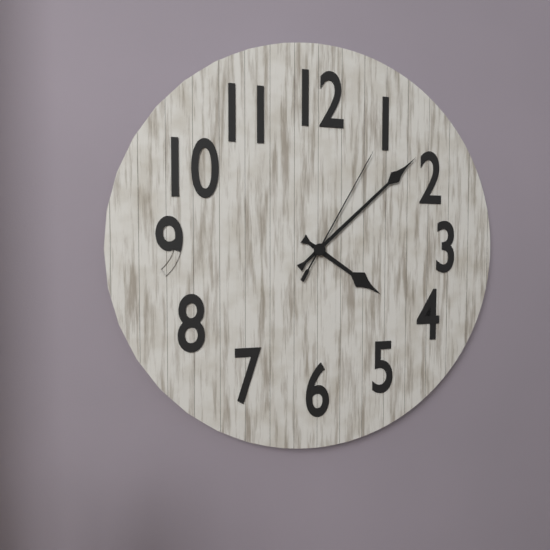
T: 4 h 08 min 05 s
